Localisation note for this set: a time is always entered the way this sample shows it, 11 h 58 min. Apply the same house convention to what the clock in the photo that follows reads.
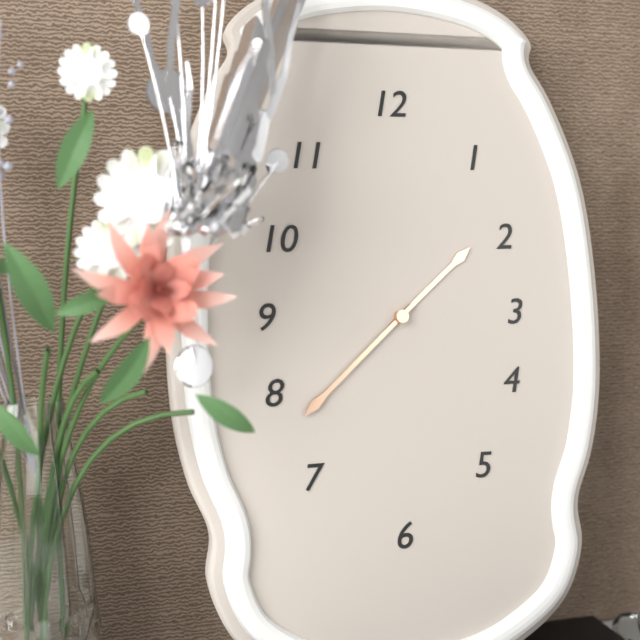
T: 1 h 38 min
